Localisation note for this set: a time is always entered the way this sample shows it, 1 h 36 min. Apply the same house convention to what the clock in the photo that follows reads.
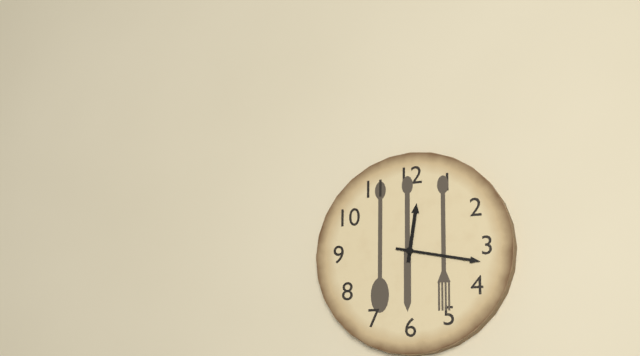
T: 12 h 17 min
